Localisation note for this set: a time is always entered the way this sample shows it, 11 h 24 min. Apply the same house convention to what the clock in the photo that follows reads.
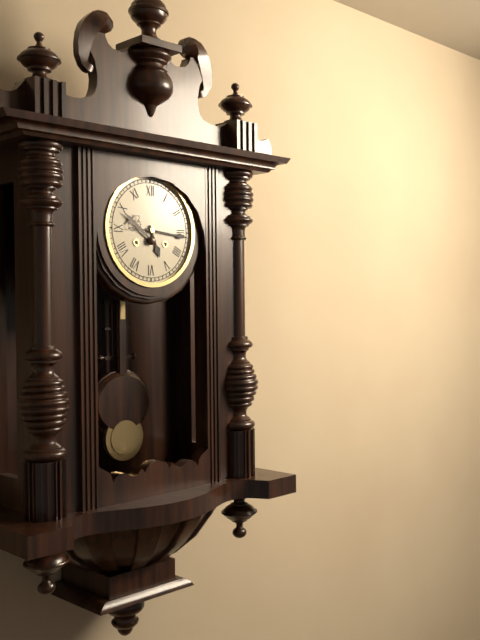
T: 5 h 16 min
